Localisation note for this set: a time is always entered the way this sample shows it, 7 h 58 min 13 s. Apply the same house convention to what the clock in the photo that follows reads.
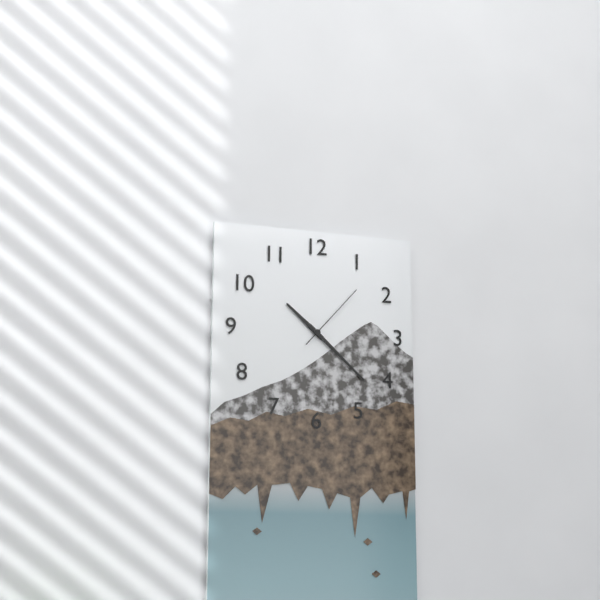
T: 10 h 22 min 07 s
